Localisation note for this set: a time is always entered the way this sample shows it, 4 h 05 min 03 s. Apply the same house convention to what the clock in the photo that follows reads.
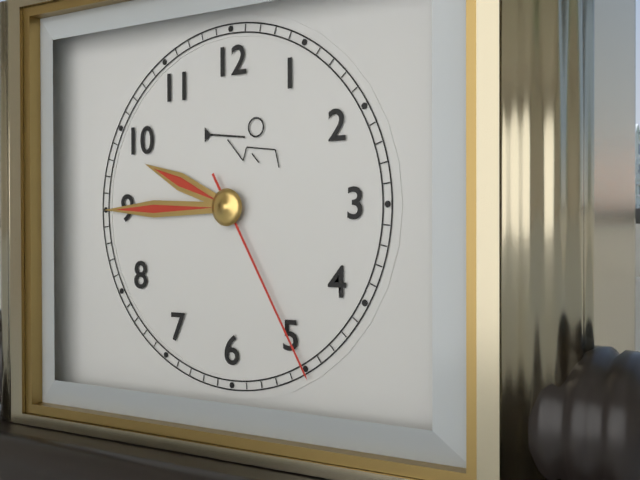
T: 9 h 45 min 25 s
